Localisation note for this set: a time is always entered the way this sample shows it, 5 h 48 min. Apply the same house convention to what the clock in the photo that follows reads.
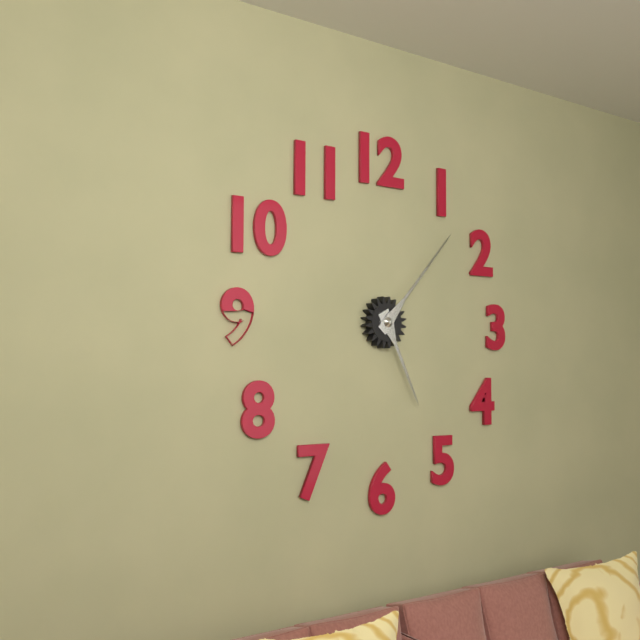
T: 5 h 07 min
